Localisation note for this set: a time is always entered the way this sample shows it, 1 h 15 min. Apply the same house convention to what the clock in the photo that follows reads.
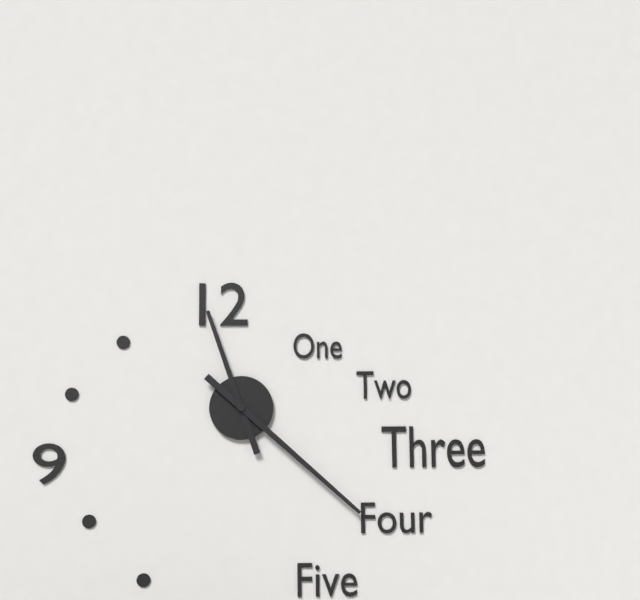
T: 11 h 22 min
